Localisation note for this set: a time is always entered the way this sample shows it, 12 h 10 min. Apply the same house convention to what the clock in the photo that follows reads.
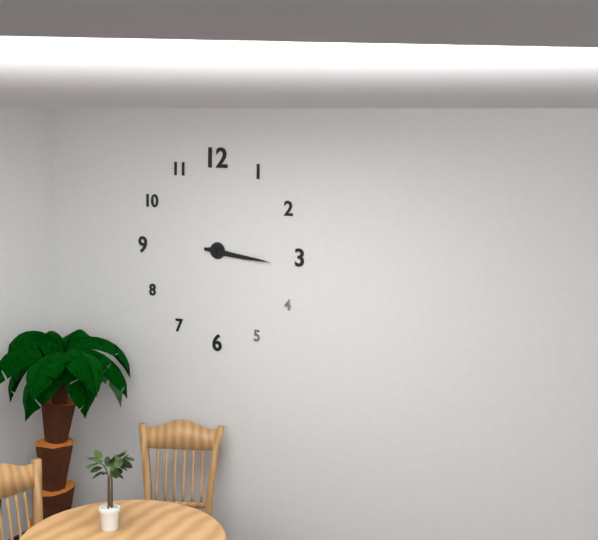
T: 3 h 16 min
